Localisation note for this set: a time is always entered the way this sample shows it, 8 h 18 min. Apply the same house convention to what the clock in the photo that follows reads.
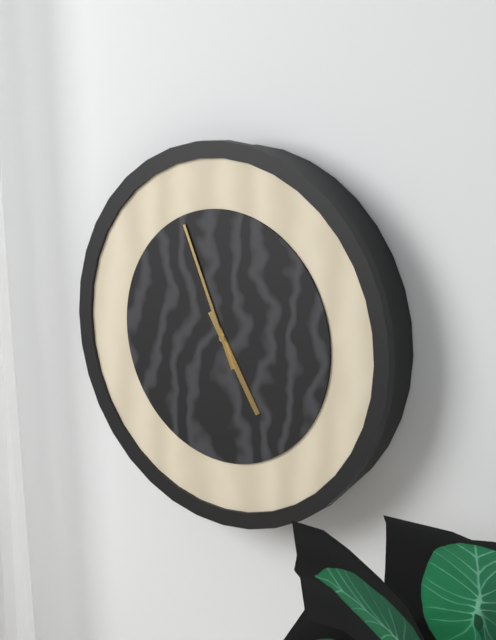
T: 4 h 56 min
